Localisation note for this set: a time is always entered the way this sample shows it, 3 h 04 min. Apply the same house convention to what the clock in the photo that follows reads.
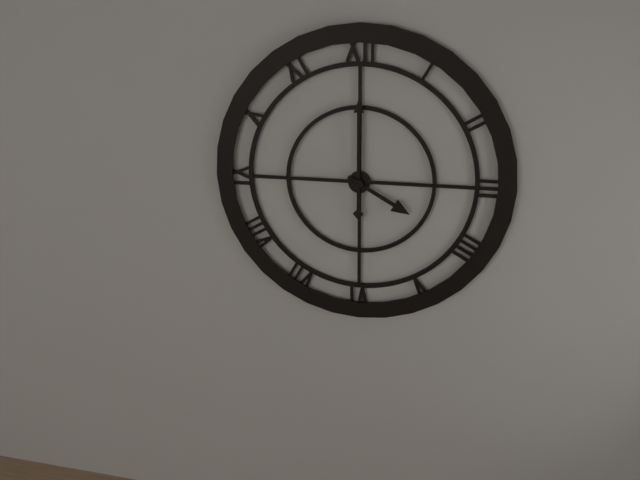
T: 4 h 00 min
